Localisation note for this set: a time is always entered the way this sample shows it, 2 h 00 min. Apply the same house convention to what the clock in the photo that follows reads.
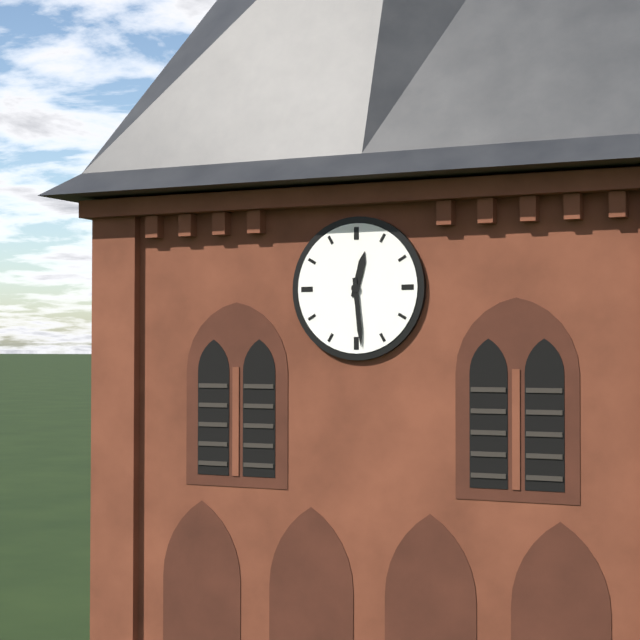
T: 12 h 29 min
